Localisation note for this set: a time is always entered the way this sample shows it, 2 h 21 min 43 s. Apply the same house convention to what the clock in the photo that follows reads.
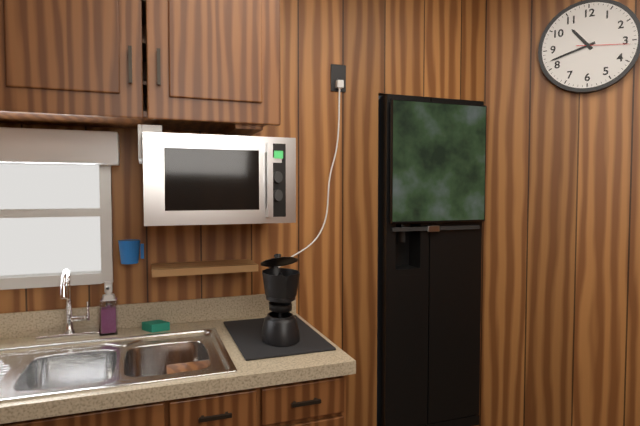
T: 10 h 42 min 16 s
